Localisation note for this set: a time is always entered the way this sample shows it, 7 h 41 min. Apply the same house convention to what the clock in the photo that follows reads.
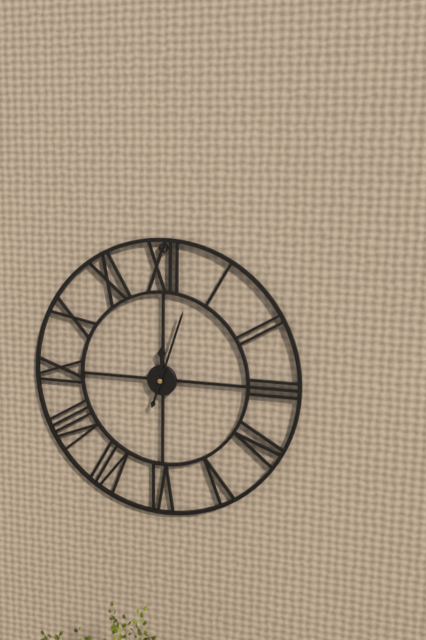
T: 12 h 03 min
